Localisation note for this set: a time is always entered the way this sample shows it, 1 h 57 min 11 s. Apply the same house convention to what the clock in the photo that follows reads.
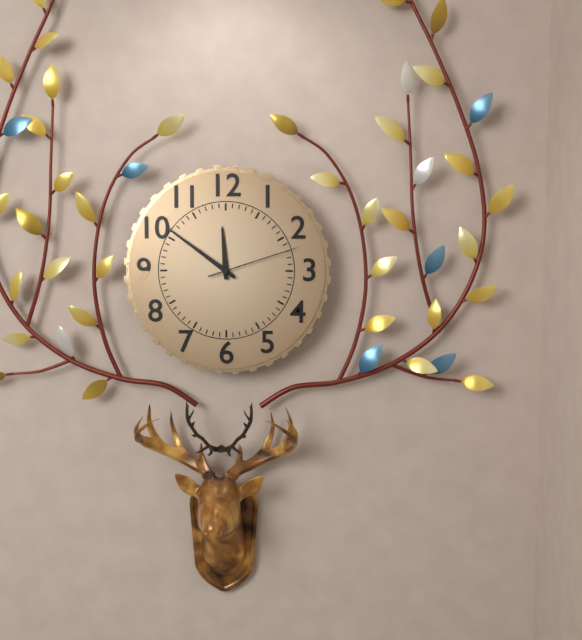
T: 11 h 51 min 12 s
